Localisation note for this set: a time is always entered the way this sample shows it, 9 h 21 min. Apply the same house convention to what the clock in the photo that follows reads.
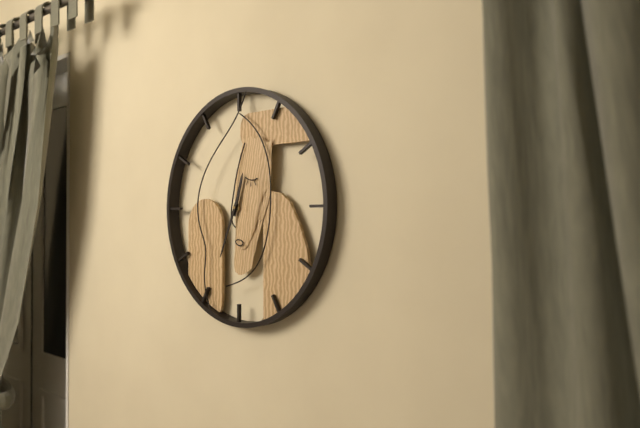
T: 12 h 34 min
